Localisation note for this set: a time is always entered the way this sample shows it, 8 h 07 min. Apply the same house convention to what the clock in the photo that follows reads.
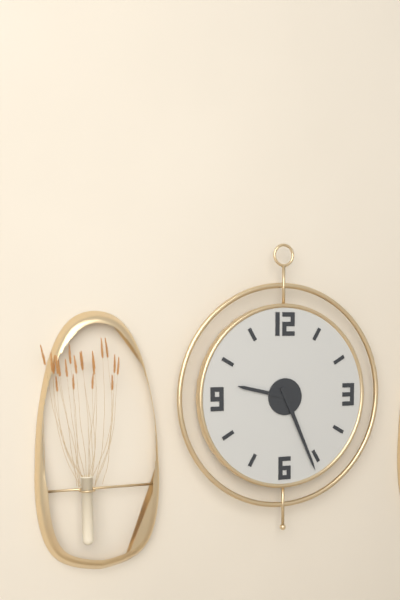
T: 9 h 26 min
